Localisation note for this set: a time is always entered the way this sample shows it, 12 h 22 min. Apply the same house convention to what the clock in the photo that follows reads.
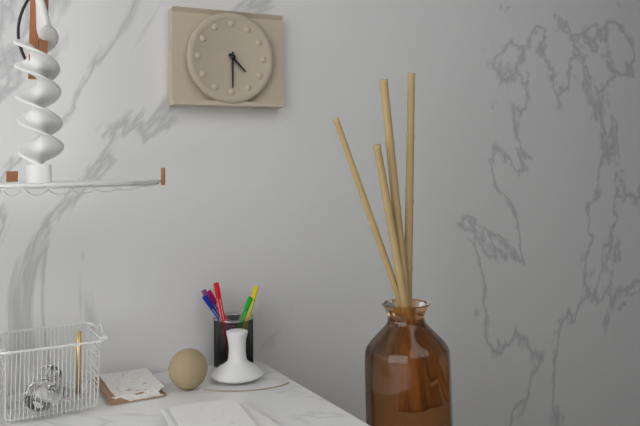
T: 4 h 30 min
